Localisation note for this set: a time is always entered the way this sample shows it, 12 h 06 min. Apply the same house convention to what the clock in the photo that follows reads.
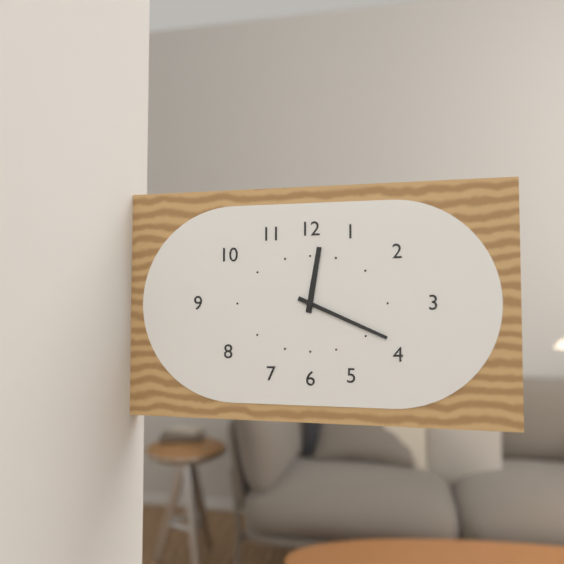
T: 12 h 19 min
